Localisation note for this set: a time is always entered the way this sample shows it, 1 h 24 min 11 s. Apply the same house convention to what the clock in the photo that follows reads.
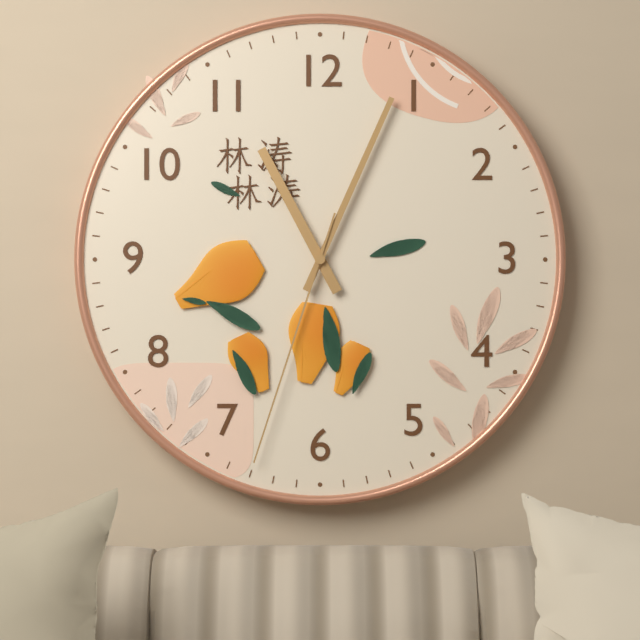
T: 11 h 04 min 33 s
